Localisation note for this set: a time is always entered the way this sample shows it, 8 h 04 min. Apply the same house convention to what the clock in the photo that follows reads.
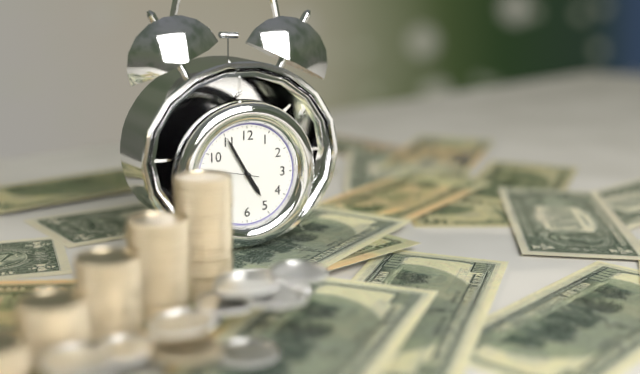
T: 4 h 55 min
